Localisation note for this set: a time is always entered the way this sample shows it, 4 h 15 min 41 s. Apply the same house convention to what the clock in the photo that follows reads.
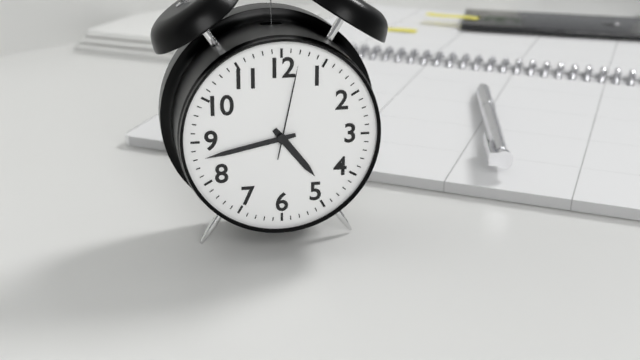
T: 4 h 43 min 02 s
